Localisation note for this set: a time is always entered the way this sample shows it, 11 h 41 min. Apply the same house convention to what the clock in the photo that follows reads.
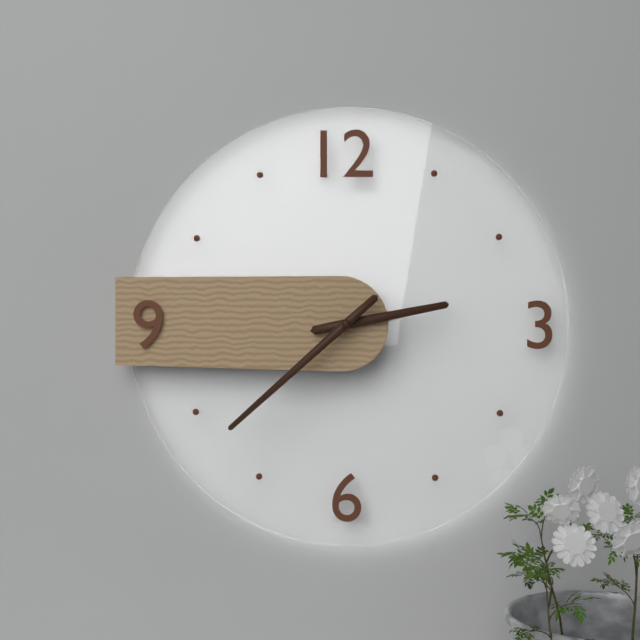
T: 2 h 38 min
